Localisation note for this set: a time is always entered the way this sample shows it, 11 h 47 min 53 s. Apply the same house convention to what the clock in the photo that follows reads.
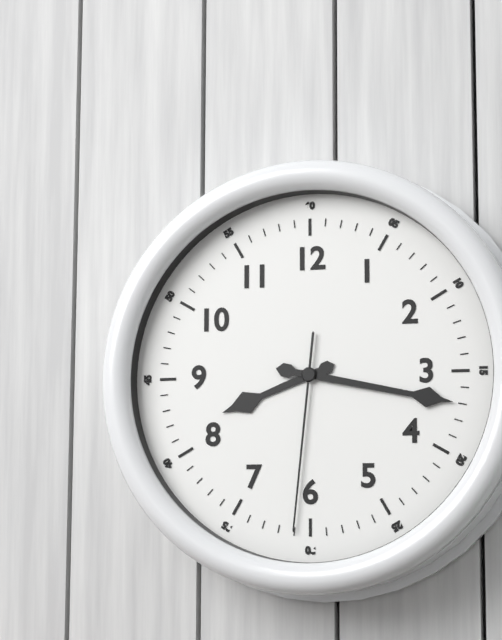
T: 8 h 17 min 31 s
